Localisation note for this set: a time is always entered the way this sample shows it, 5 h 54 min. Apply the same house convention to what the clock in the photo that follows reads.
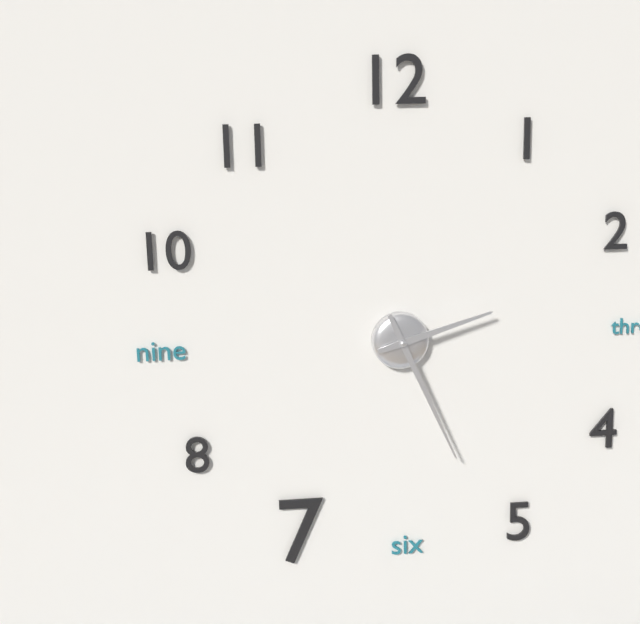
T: 2 h 26 min
